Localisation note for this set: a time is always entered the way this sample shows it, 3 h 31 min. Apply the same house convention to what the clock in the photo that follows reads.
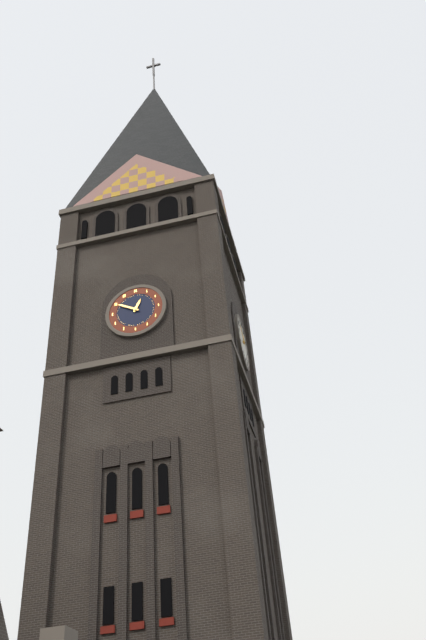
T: 12 h 50 min
